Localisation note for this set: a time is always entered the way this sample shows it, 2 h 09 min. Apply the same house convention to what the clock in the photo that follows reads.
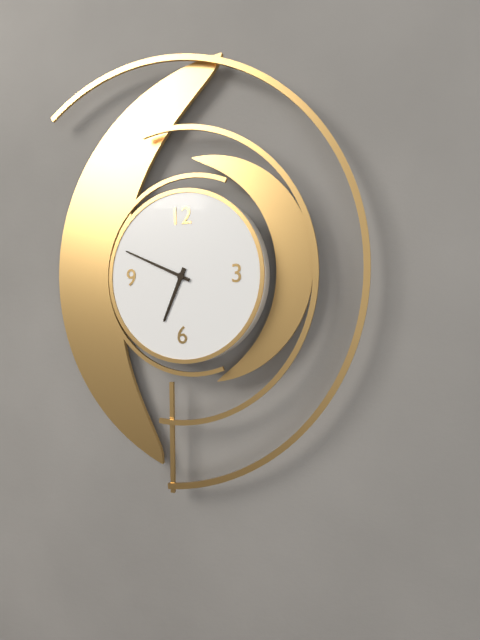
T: 6 h 49 min
